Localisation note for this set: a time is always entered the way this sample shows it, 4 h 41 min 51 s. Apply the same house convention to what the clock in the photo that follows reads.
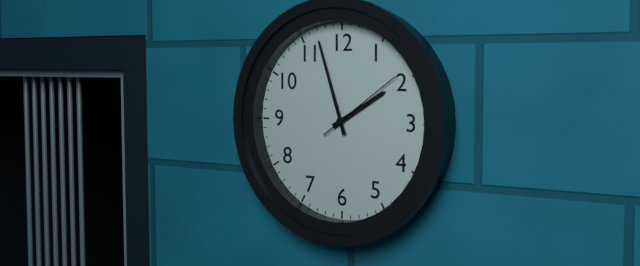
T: 1 h 57 min 09 s
